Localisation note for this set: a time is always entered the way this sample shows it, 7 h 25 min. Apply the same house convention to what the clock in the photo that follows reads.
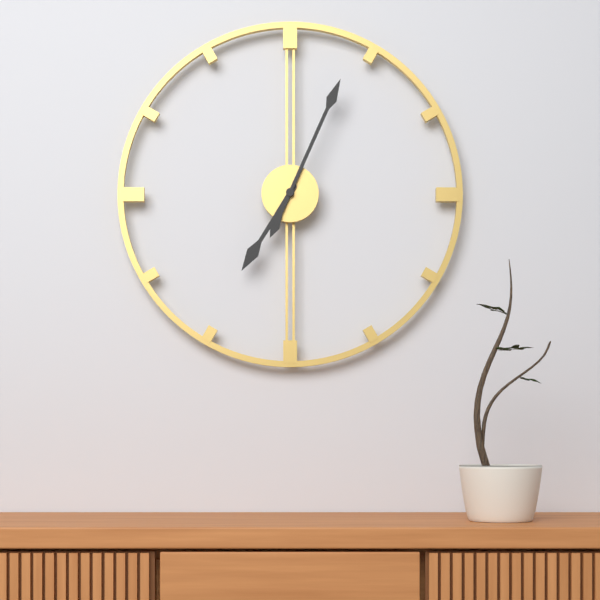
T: 7 h 04 min
